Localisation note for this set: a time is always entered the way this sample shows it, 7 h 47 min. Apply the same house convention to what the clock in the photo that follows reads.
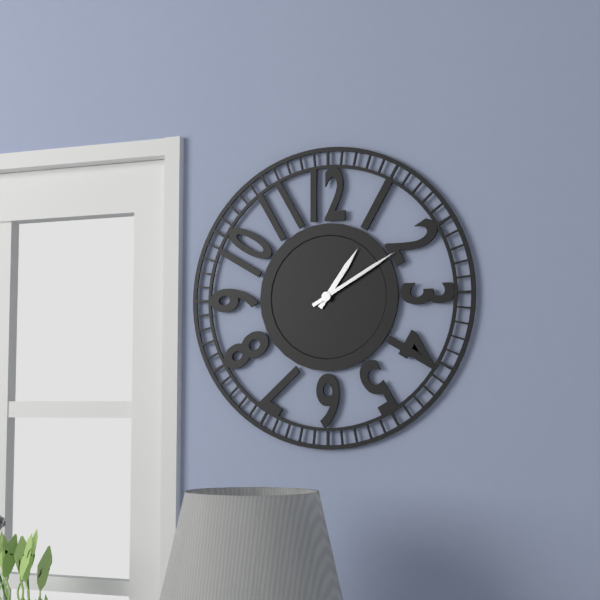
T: 1 h 10 min
